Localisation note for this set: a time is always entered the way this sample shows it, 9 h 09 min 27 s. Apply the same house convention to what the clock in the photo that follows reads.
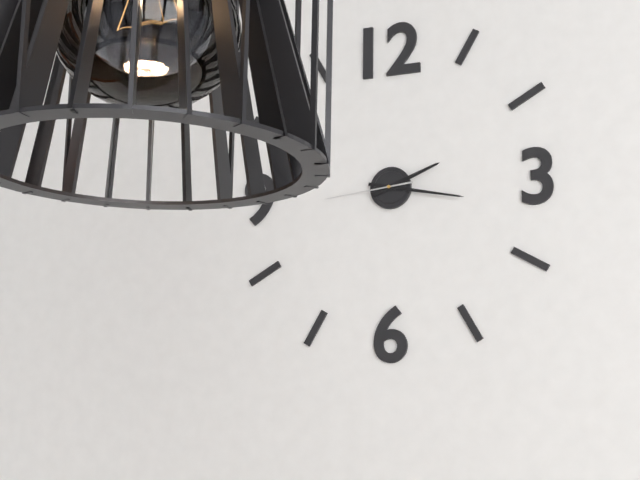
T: 2 h 17 min 44 s
